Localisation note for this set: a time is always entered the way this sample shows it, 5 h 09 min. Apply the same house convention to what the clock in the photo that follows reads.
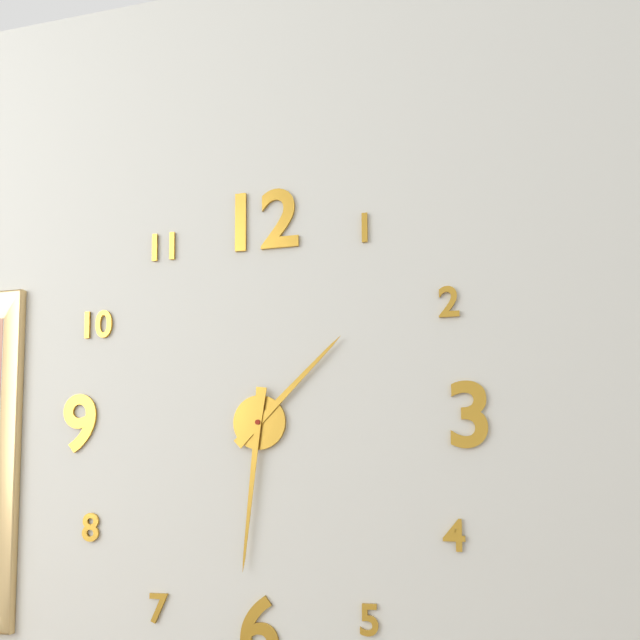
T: 1 h 31 min
